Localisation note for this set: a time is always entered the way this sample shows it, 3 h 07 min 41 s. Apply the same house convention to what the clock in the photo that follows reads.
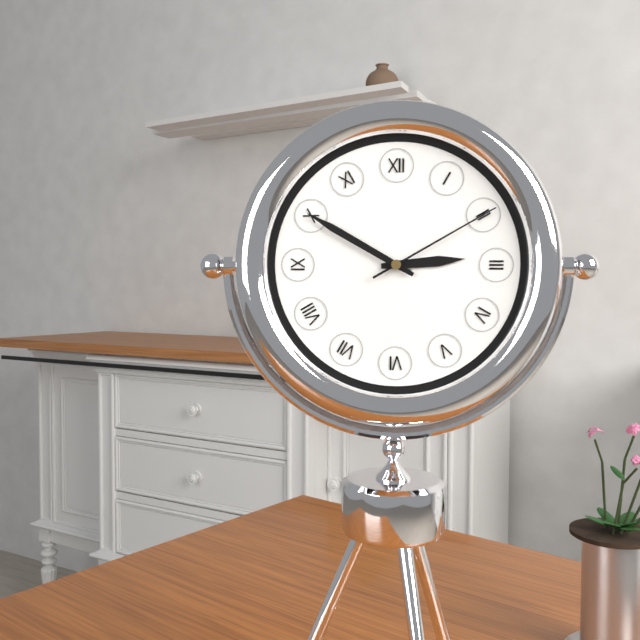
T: 2 h 50 min 10 s
